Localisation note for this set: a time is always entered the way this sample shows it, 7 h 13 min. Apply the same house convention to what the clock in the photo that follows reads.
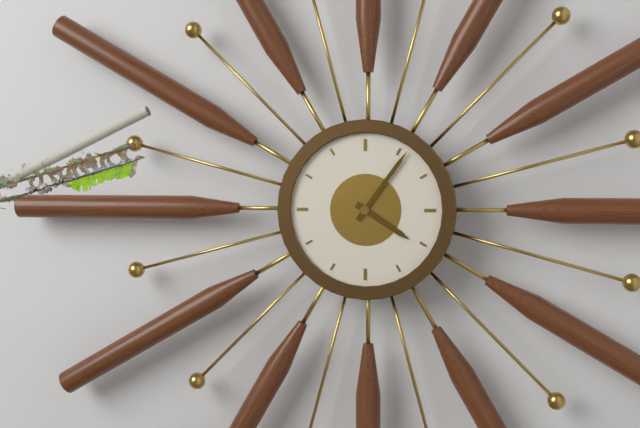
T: 4 h 06 min
